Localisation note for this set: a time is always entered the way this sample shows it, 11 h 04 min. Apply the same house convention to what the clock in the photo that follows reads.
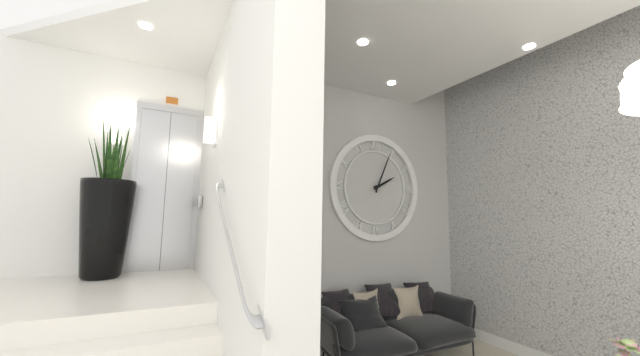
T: 2 h 04 min
